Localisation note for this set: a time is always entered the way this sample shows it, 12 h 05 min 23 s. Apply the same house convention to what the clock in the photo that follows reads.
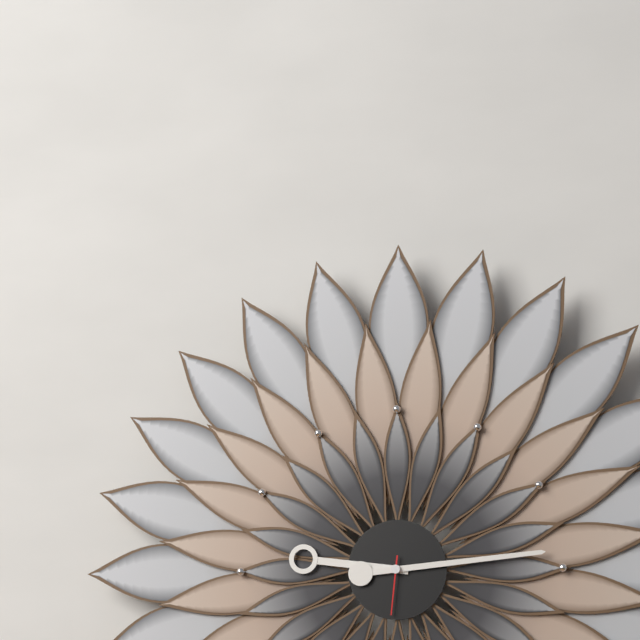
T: 9 h 14 min 31 s
